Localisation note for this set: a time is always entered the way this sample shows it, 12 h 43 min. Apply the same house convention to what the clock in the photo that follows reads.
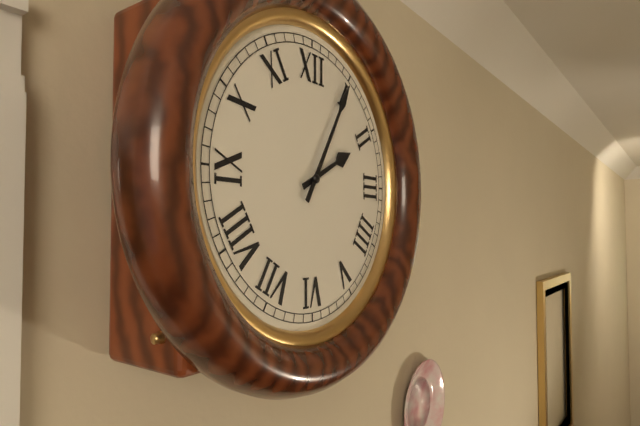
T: 2 h 05 min
